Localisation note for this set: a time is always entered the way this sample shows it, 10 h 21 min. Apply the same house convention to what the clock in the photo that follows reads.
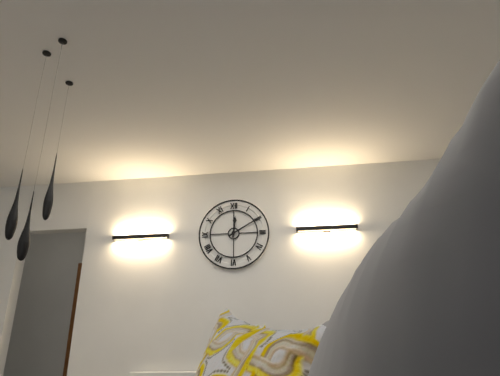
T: 12 h 10 min
